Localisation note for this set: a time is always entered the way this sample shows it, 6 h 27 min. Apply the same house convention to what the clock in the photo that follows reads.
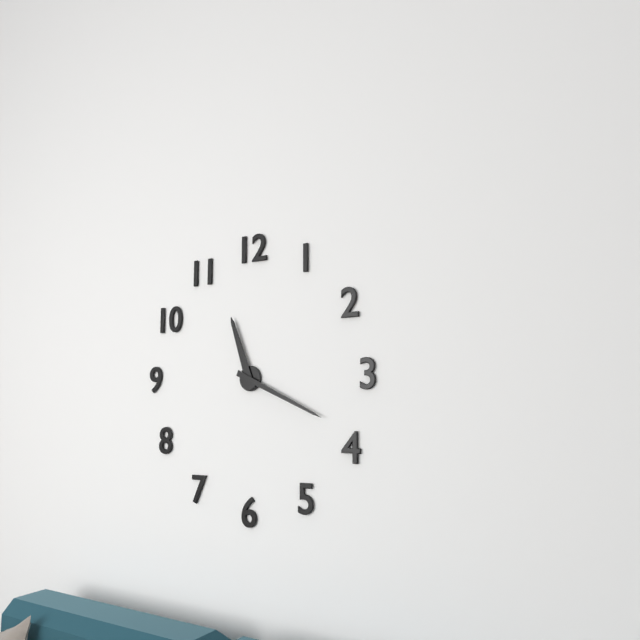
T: 11 h 19 min
